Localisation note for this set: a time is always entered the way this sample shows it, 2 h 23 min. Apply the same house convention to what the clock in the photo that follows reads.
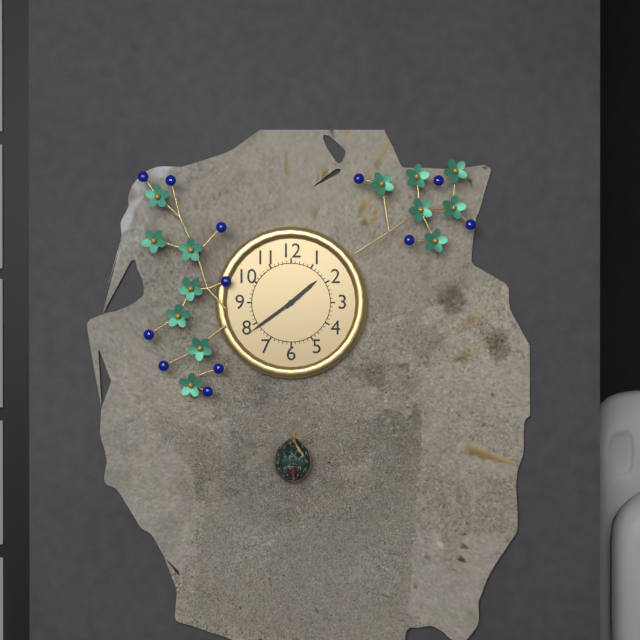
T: 1 h 39 min
